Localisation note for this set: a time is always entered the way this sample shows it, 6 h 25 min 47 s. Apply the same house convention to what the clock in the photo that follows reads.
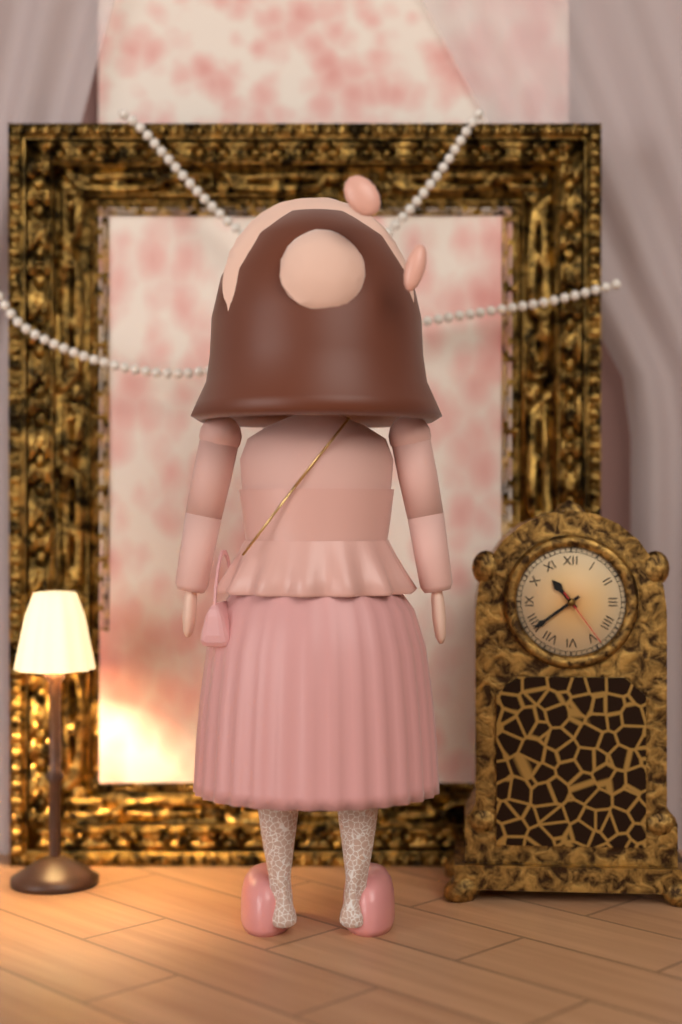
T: 10 h 39 min 24 s
